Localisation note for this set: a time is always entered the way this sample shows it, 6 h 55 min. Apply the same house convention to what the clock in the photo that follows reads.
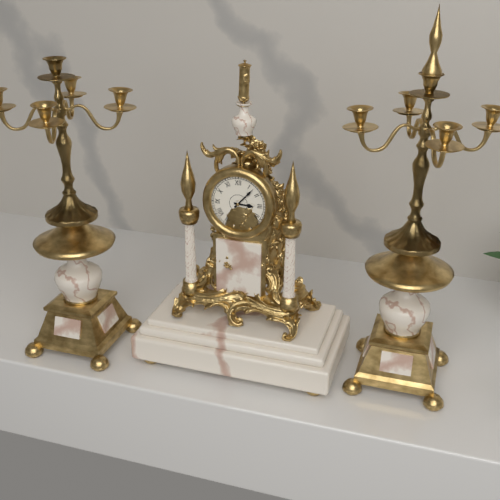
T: 3 h 07 min
